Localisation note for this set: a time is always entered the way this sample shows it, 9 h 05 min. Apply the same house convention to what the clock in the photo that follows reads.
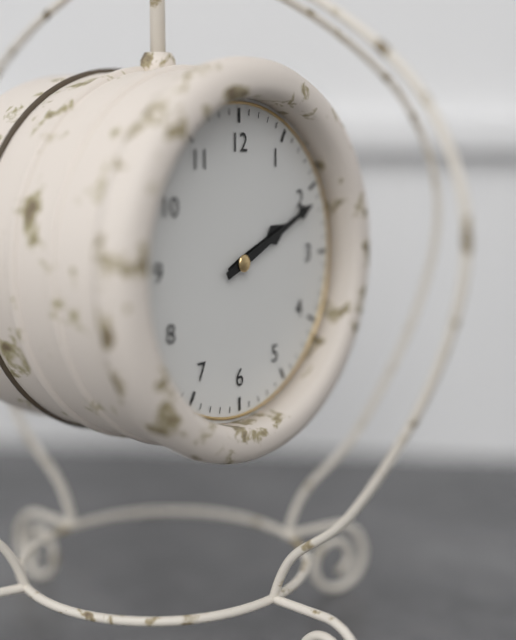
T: 2 h 11 min
